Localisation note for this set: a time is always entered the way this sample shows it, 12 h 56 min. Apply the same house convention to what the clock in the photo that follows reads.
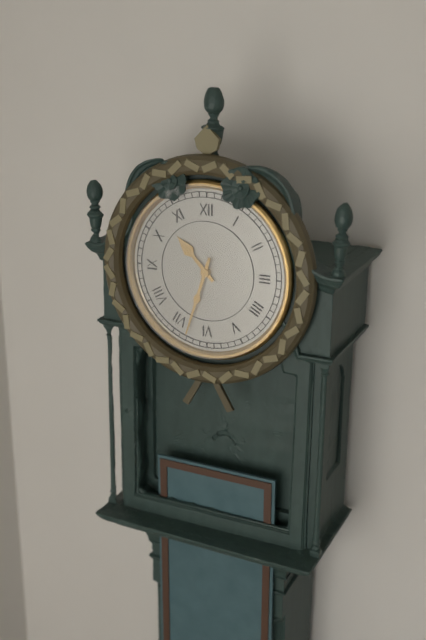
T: 10 h 33 min
